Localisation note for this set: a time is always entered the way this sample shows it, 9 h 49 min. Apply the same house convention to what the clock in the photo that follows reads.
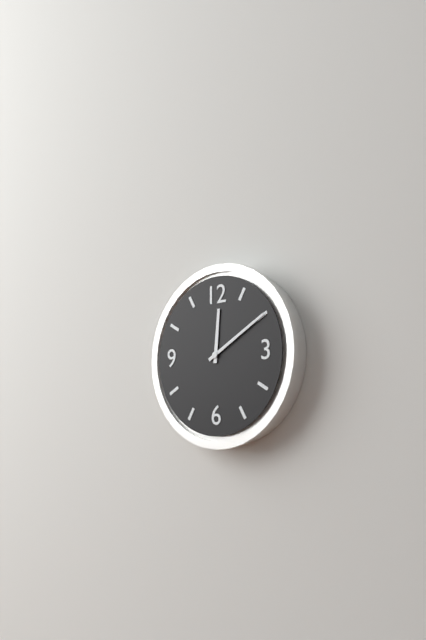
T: 12 h 10 min
